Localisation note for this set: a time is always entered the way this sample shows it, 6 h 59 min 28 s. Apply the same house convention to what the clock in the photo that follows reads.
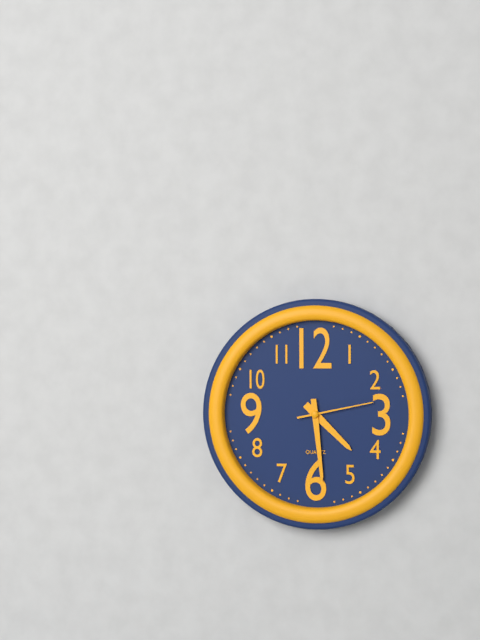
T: 4 h 29 min 13 s
